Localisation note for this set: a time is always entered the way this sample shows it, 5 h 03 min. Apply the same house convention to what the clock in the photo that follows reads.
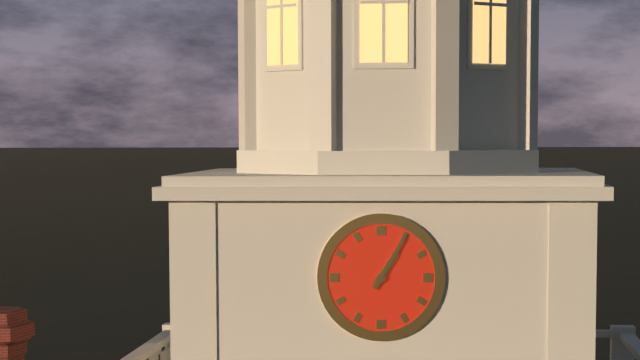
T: 1 h 05 min
